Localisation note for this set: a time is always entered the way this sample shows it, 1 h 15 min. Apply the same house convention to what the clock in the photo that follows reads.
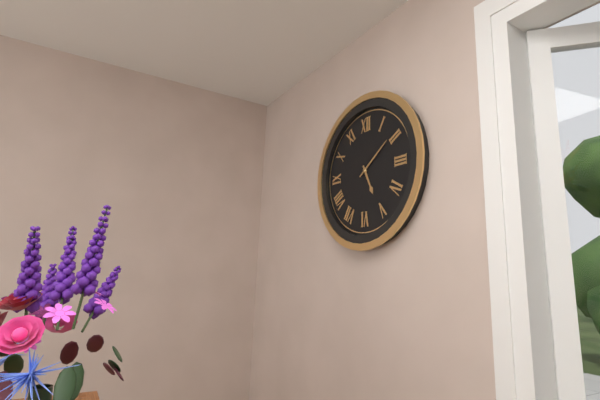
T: 5 h 09 min
